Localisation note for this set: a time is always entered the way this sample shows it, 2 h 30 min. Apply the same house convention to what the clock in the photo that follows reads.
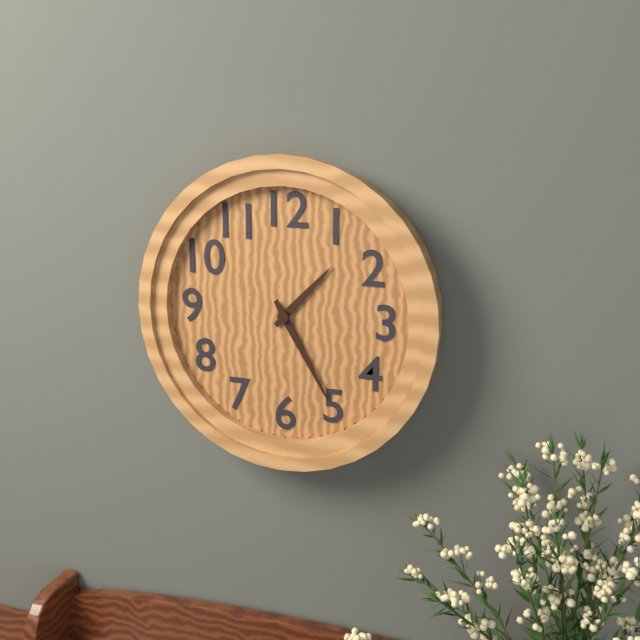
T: 1 h 25 min
